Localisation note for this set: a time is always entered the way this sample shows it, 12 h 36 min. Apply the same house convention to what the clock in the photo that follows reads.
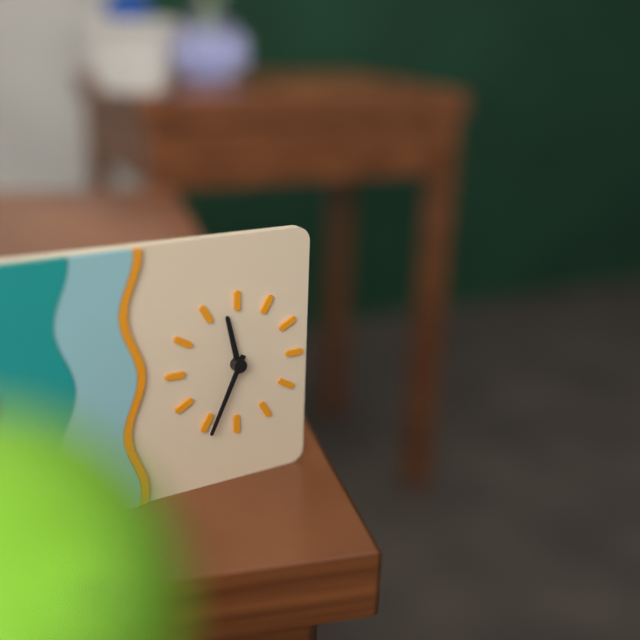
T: 11 h 34 min
